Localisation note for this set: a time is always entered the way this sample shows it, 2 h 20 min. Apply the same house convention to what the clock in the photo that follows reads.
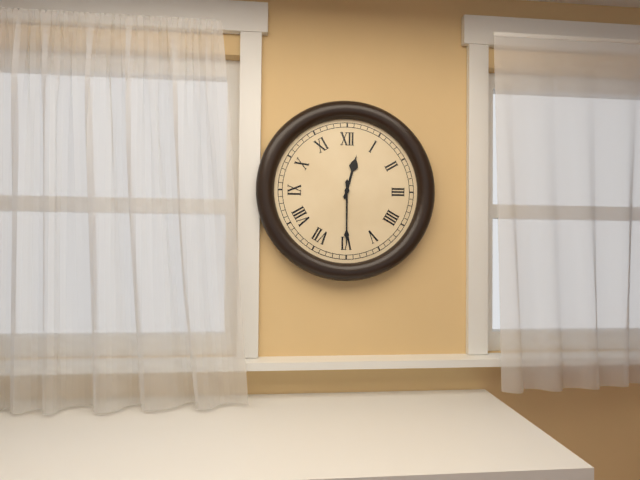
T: 12 h 30 min
